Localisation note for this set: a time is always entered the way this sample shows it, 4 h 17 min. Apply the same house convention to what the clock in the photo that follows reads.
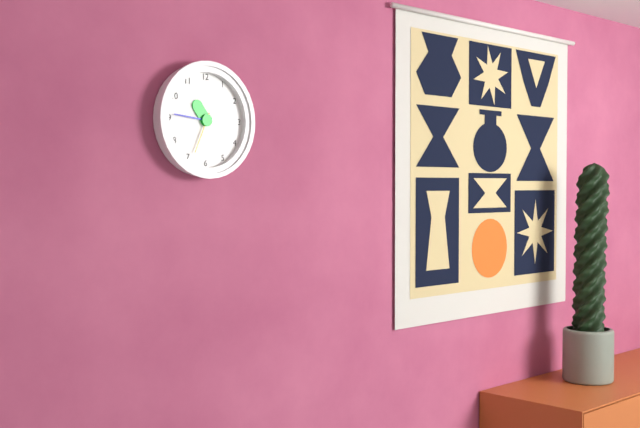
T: 10 h 46 min
